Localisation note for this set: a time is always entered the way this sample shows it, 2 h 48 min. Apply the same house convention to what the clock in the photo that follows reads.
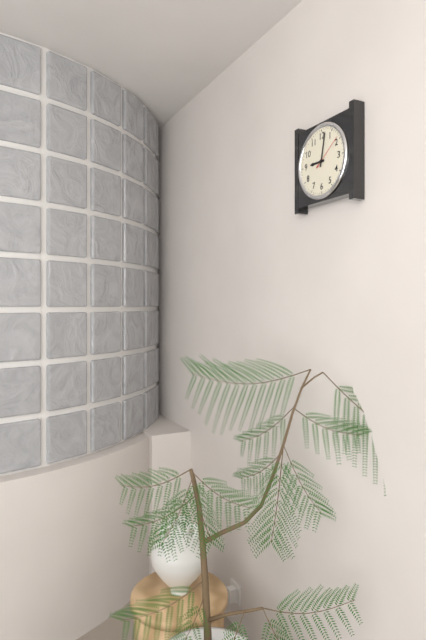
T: 9 h 02 min
